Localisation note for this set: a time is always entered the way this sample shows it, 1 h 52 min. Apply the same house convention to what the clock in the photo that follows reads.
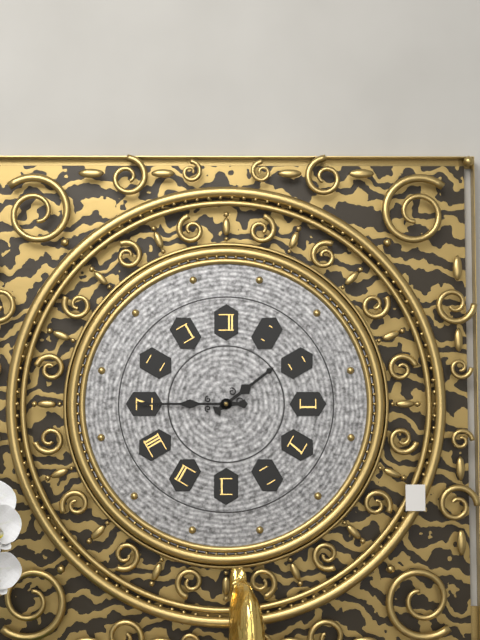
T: 1 h 45 min
